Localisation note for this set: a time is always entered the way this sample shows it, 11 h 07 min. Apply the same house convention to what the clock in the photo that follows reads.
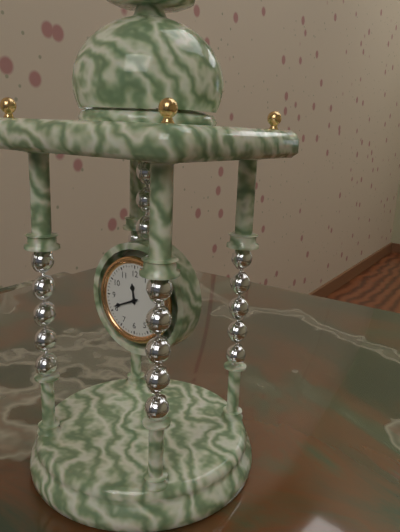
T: 11 h 41 min
